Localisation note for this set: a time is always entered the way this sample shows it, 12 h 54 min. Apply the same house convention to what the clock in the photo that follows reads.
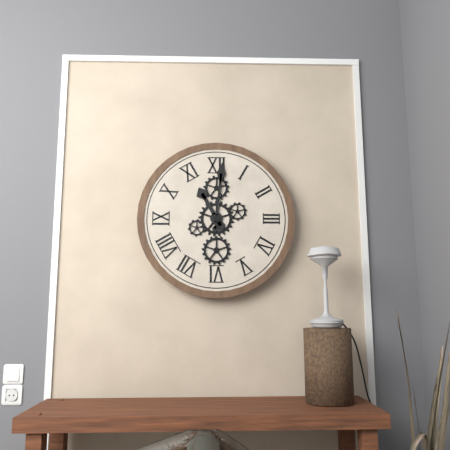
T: 11 h 01 min
